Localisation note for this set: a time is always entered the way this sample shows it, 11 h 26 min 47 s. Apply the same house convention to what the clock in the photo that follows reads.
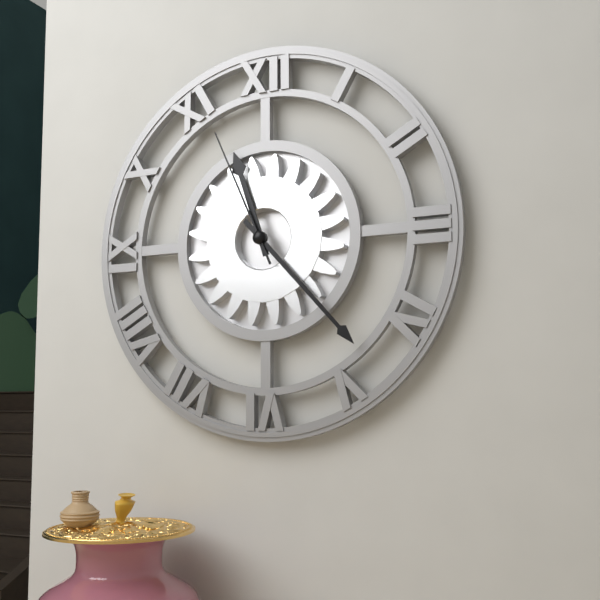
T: 11 h 23 min 56 s
